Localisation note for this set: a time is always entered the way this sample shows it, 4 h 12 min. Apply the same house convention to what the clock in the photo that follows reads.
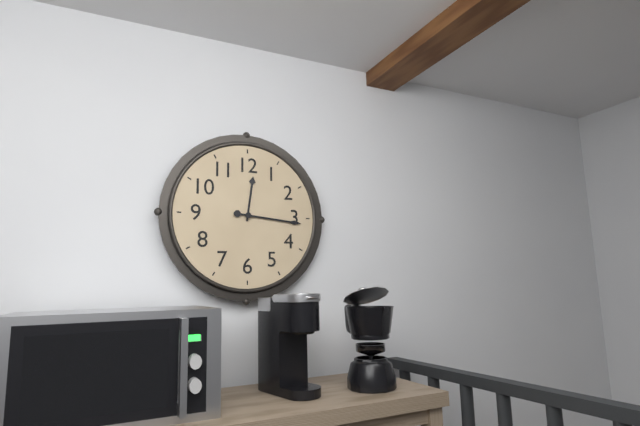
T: 12 h 16 min
